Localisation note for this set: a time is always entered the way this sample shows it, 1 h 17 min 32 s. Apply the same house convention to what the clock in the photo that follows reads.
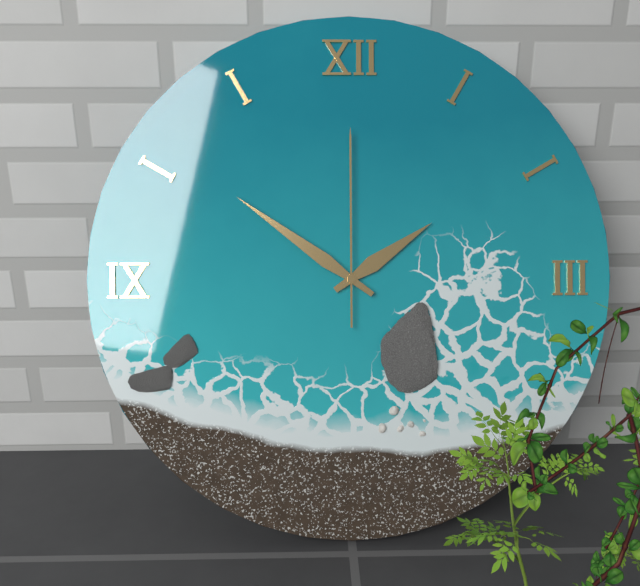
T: 1 h 51 min 00 s
